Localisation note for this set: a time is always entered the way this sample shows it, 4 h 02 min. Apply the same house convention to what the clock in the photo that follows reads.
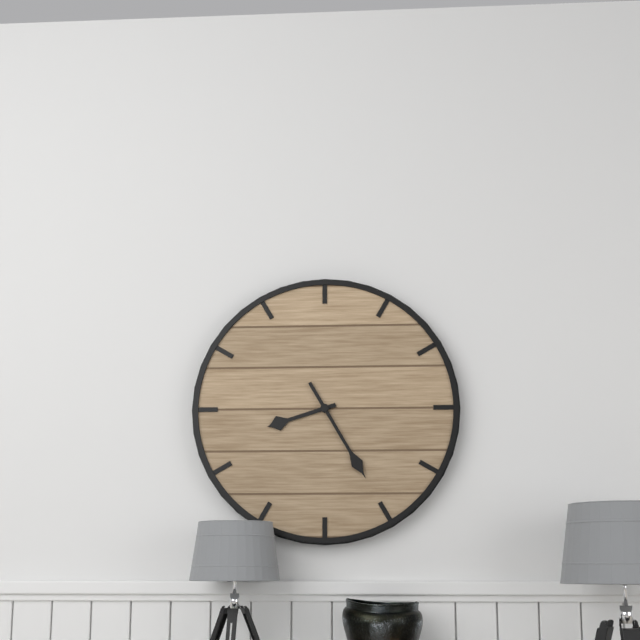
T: 8 h 25 min
